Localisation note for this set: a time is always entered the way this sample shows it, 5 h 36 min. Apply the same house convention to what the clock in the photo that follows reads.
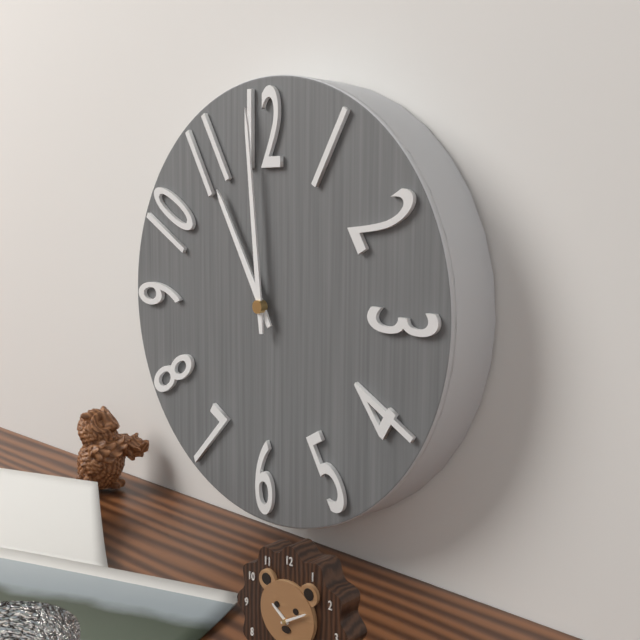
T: 10 h 59 min
